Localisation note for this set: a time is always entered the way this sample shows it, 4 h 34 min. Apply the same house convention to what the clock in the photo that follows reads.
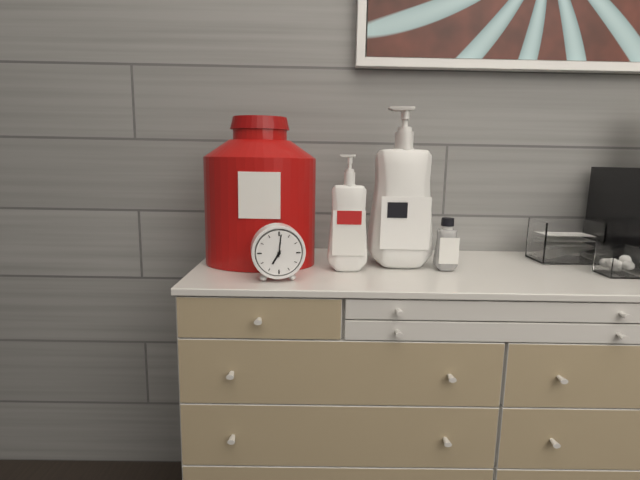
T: 7 h 01 min
